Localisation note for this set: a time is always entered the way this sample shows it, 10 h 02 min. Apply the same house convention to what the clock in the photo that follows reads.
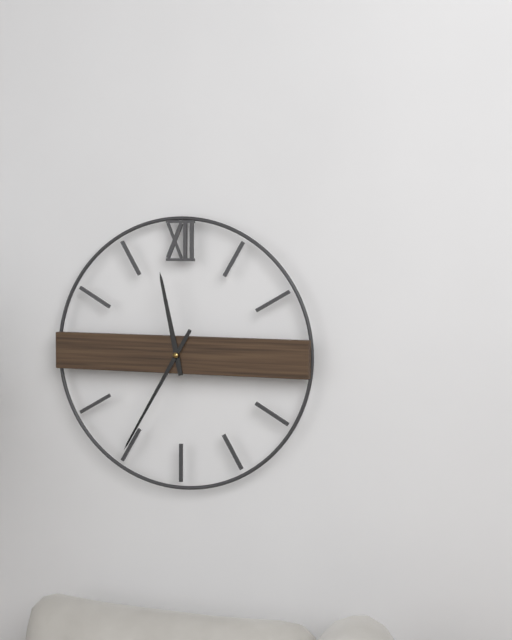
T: 11 h 35 min
